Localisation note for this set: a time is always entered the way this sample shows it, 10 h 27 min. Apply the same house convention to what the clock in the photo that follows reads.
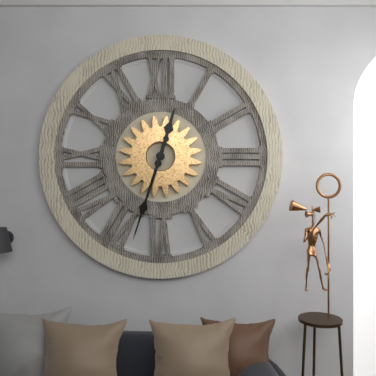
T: 12 h 33 min
